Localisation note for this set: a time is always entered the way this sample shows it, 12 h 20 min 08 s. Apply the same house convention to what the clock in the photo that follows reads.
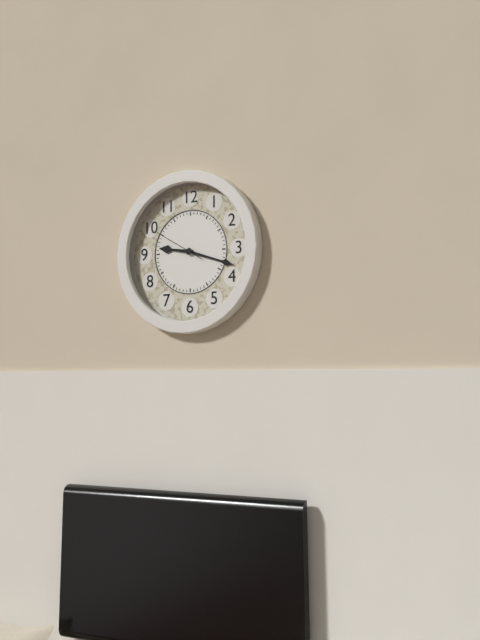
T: 9 h 18 min 50 s
